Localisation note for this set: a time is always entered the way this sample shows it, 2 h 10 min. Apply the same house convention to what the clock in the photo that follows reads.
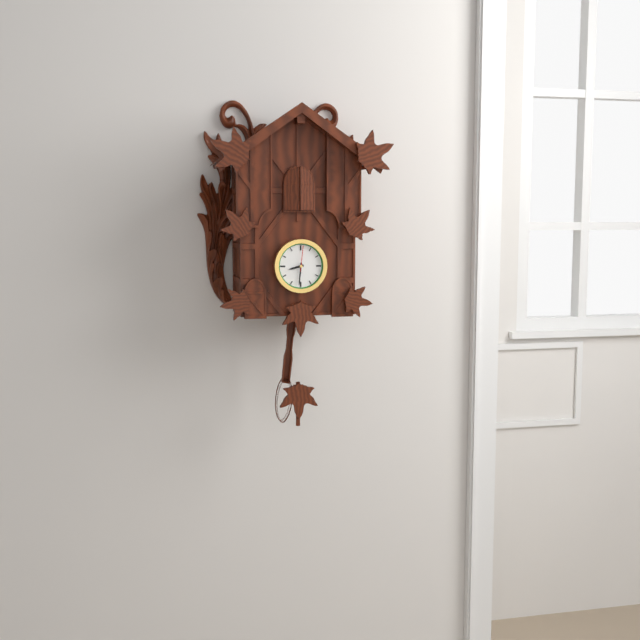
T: 8 h 31 min
